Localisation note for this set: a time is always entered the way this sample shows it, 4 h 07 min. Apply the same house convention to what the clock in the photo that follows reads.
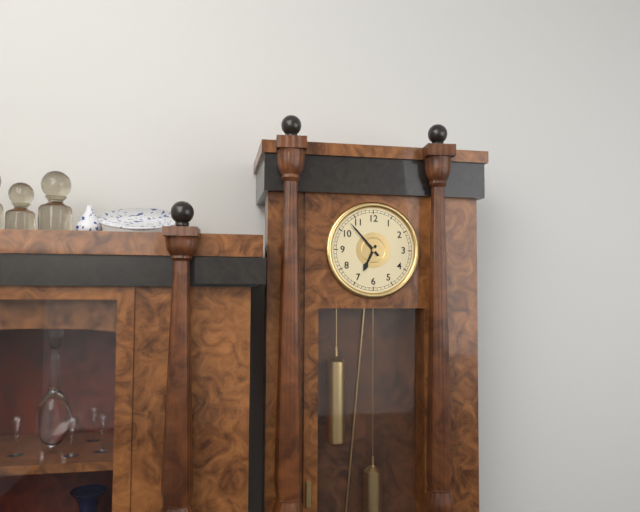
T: 6 h 53 min
